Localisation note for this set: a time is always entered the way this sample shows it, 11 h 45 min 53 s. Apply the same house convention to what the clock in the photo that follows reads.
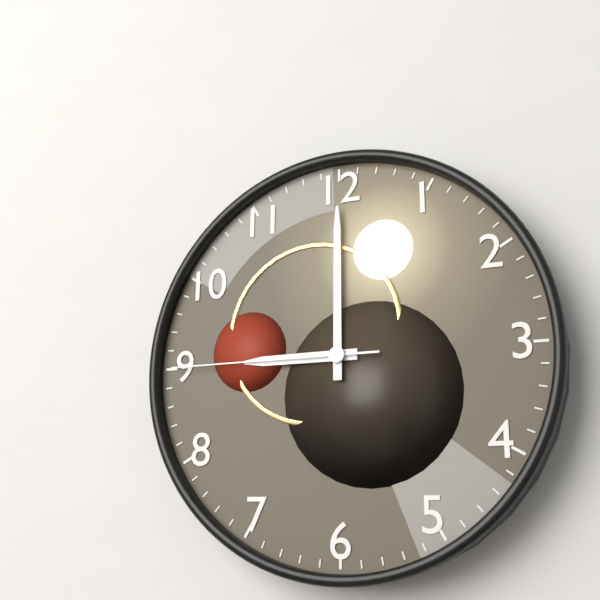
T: 9 h 00 min 45 s
